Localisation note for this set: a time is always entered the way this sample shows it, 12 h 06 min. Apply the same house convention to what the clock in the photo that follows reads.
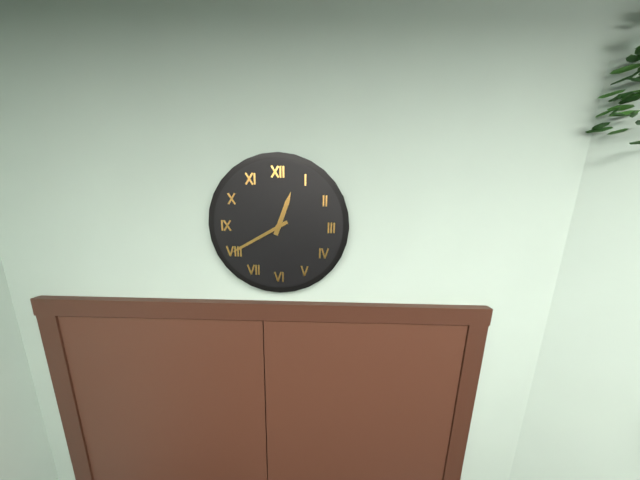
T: 12 h 40 min
